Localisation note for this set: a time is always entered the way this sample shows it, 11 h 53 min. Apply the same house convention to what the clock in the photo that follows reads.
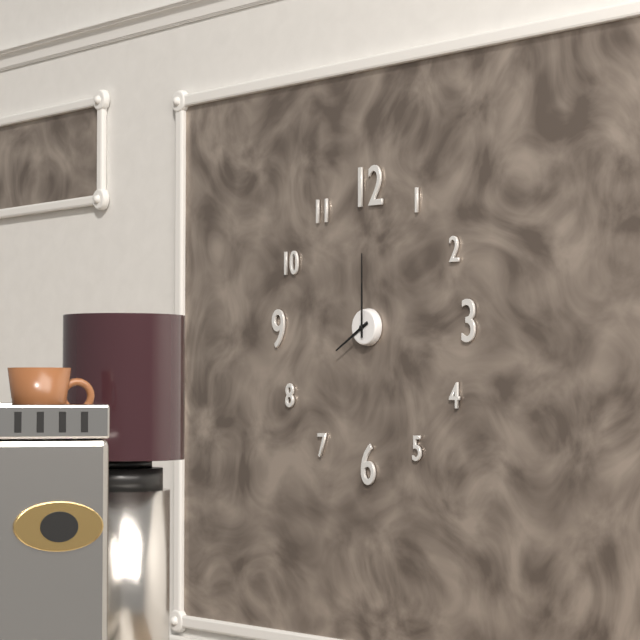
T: 8 h 00 min
